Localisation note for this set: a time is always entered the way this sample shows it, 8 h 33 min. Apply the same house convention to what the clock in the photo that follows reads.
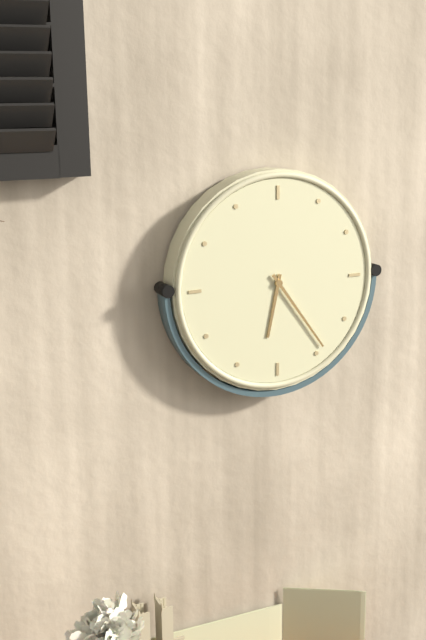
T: 6 h 24 min
